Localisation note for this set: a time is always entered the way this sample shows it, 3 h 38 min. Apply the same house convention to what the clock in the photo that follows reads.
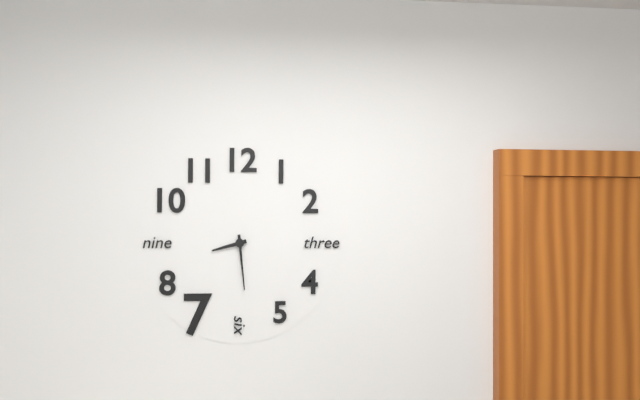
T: 8 h 29 min
